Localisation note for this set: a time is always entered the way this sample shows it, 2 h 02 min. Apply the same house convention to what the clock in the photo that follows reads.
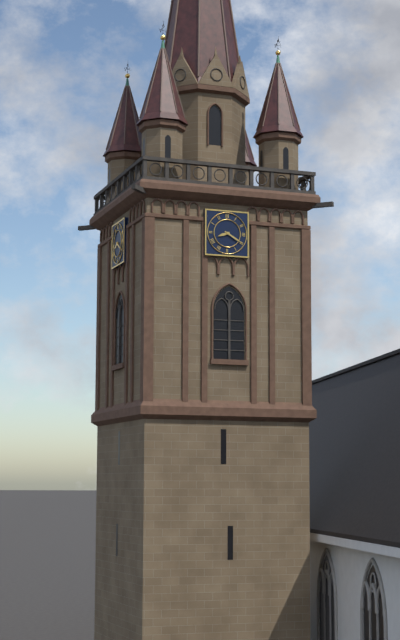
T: 8 h 20 min
